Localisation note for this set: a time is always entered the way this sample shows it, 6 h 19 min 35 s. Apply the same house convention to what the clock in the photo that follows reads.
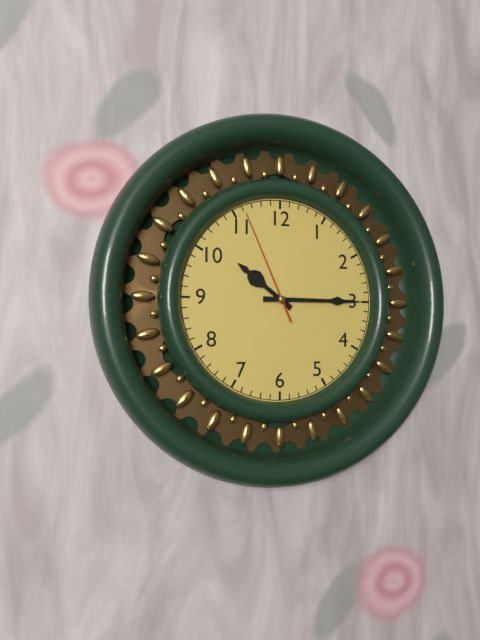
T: 10 h 15 min 56 s
